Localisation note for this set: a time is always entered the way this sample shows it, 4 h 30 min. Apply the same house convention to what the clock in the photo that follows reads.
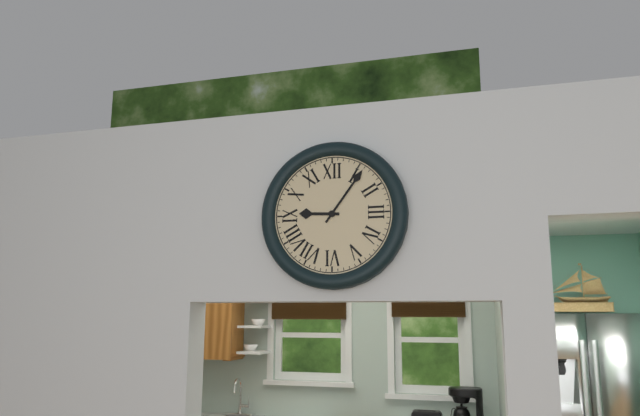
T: 9 h 06 min
